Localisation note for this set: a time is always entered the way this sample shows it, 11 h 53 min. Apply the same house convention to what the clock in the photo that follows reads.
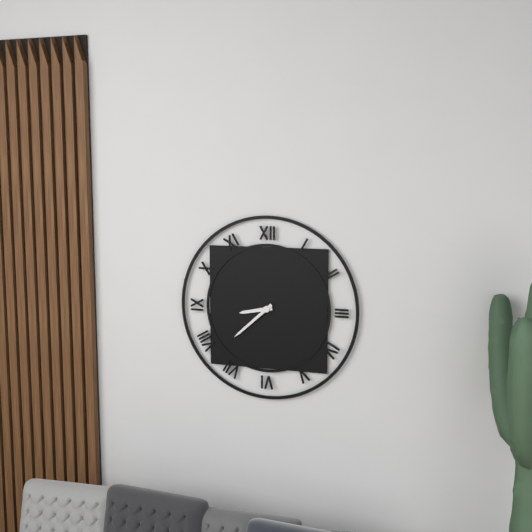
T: 8 h 38 min
